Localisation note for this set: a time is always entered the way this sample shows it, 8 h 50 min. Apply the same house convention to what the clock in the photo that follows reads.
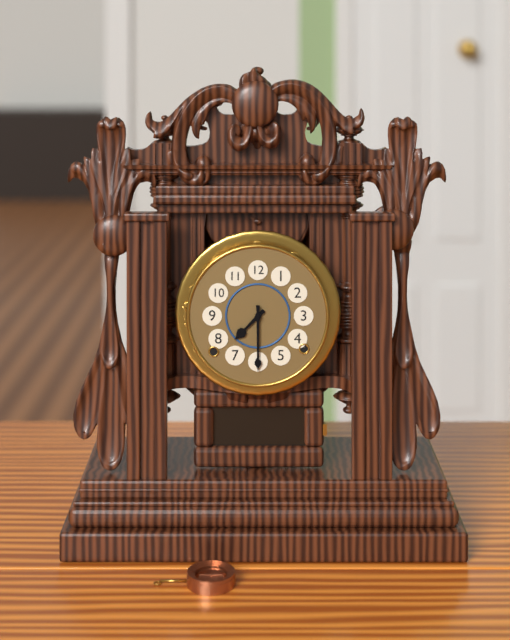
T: 7 h 30 min
